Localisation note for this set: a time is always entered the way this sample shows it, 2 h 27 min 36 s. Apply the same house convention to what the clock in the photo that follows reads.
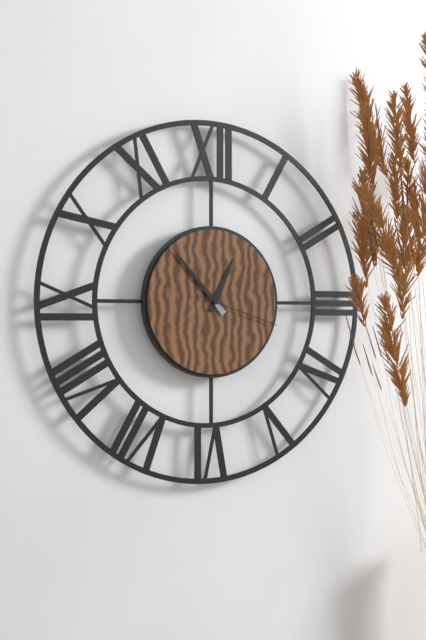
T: 12 h 53 min 18 s
